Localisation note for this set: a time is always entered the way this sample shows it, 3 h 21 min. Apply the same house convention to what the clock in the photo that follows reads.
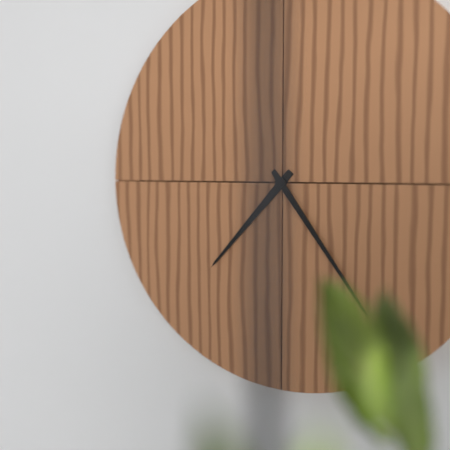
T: 7 h 24 min
